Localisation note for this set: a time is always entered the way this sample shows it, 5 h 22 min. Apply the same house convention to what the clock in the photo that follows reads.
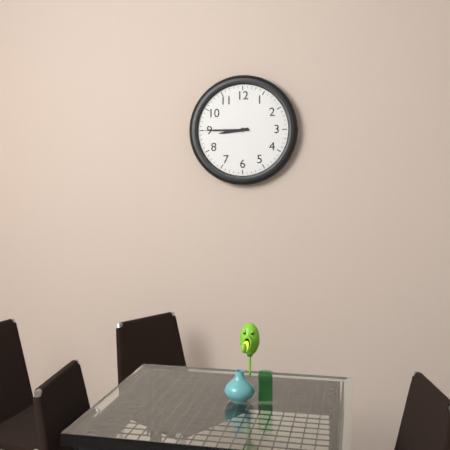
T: 8 h 45 min
